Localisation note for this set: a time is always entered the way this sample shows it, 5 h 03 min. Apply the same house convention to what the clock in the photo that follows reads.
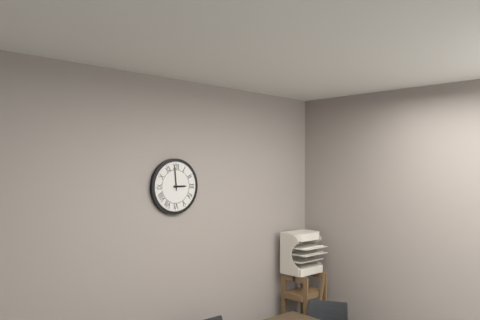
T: 2 h 59 min
